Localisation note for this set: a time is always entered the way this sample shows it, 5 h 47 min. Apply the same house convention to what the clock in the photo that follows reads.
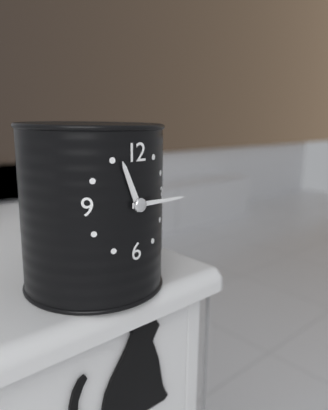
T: 11 h 15 min
